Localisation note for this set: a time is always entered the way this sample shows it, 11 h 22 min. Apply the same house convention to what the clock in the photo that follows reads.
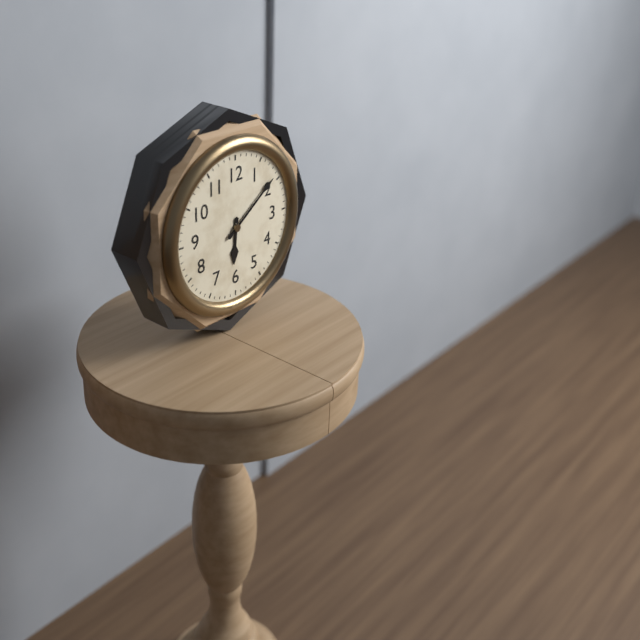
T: 6 h 09 min
